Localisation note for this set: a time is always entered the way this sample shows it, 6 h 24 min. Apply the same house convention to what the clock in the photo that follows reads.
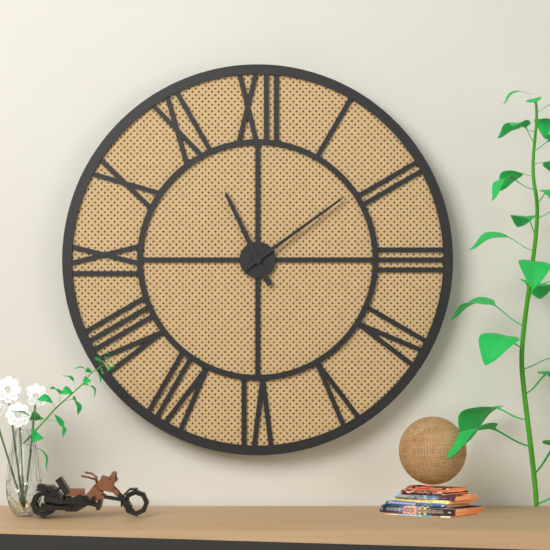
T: 11 h 09 min
